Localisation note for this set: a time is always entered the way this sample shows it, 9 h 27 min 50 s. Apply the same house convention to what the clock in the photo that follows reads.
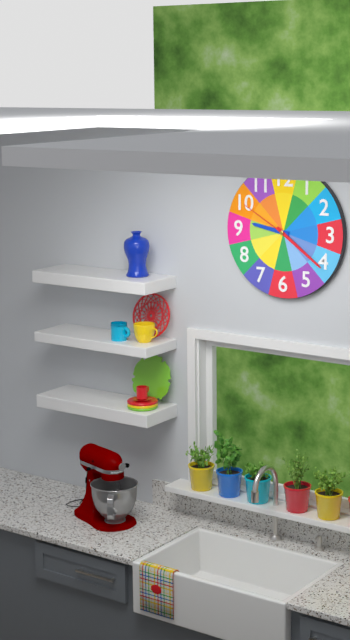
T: 9 h 21 min 50 s
